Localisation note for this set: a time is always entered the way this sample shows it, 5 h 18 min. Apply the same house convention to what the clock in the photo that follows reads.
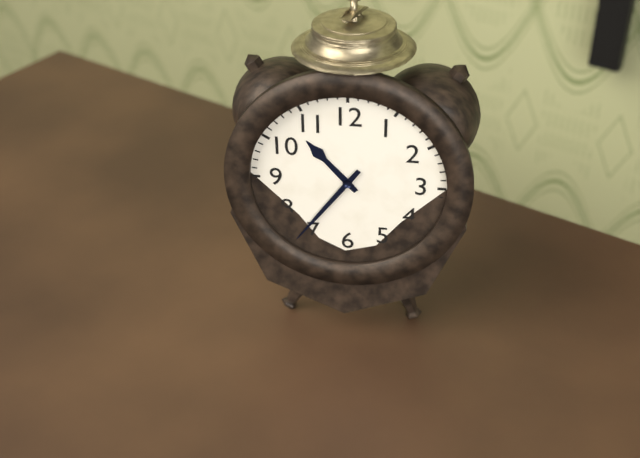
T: 10 h 36 min
